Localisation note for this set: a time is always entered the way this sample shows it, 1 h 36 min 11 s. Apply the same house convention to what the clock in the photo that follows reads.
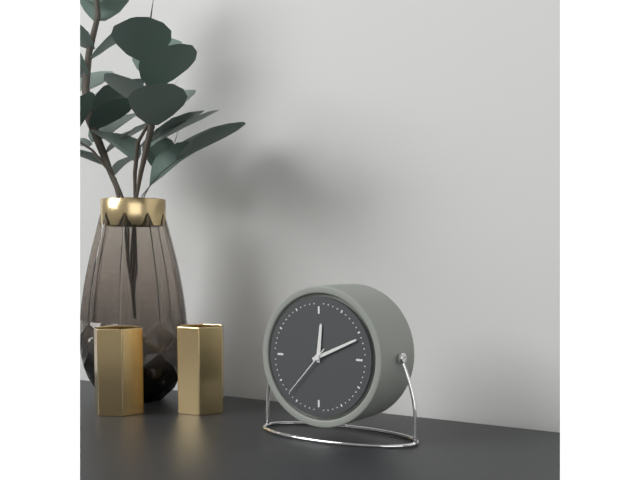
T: 12 h 11 min 37 s
